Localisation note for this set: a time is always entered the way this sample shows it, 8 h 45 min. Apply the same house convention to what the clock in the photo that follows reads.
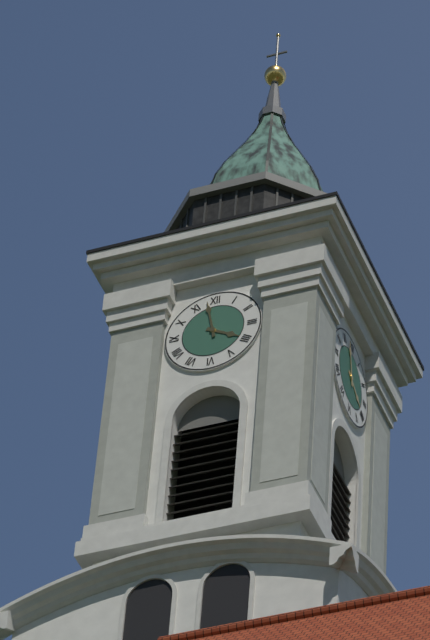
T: 3 h 58 min
